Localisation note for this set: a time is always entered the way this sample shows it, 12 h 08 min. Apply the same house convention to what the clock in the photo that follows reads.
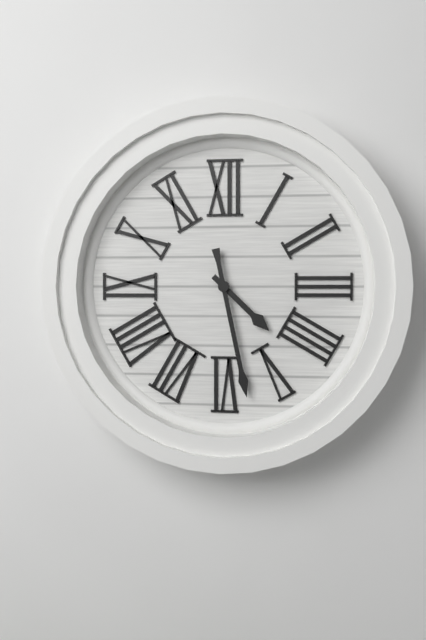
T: 4 h 28 min
